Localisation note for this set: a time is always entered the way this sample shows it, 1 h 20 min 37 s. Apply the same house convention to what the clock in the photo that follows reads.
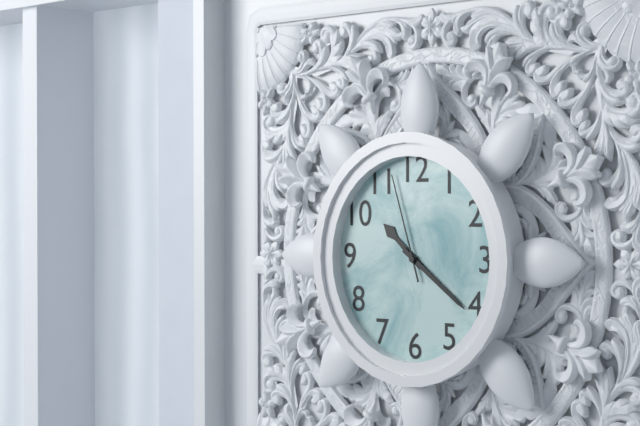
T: 10 h 21 min 57 s
